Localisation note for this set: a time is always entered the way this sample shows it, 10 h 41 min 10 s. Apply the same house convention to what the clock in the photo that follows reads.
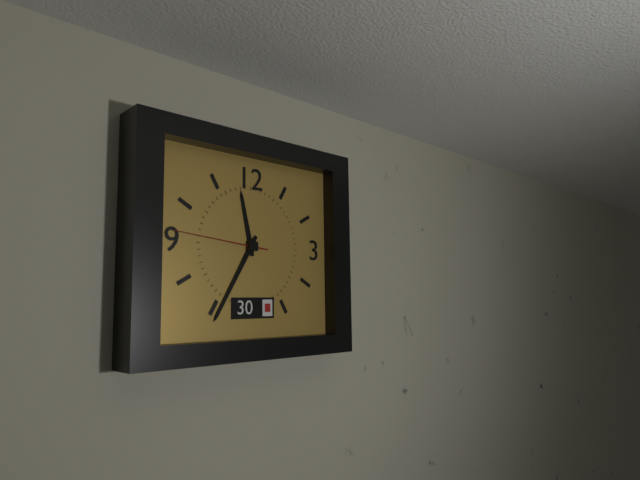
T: 11 h 35 min 46 s
